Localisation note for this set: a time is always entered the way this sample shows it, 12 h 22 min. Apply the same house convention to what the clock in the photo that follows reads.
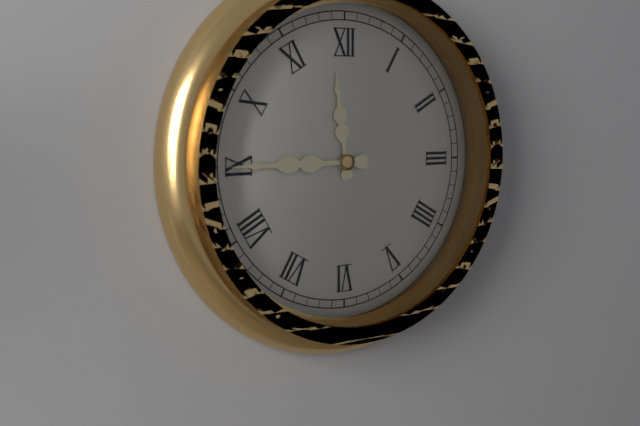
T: 11 h 45 min
